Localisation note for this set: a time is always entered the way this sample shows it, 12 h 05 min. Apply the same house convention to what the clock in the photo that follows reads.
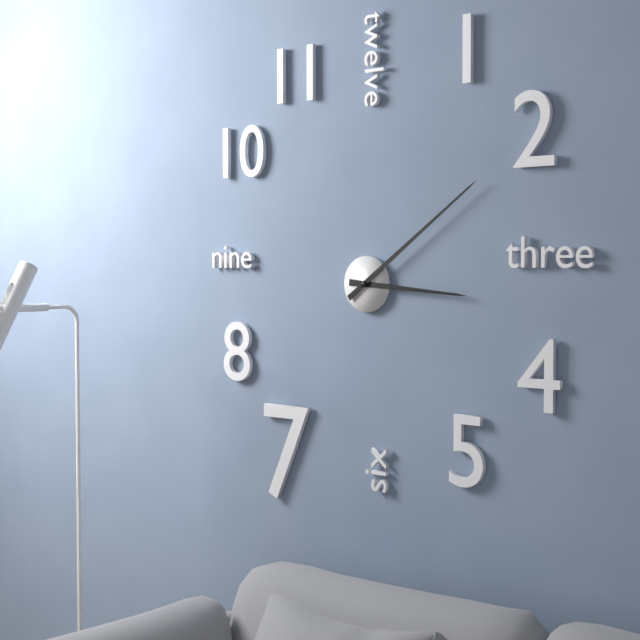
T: 3 h 09 min
